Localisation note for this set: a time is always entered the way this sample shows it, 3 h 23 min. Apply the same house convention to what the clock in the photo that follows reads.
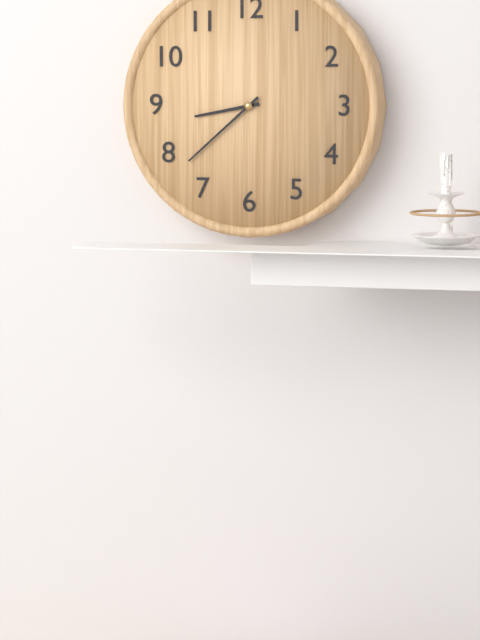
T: 8 h 38 min
